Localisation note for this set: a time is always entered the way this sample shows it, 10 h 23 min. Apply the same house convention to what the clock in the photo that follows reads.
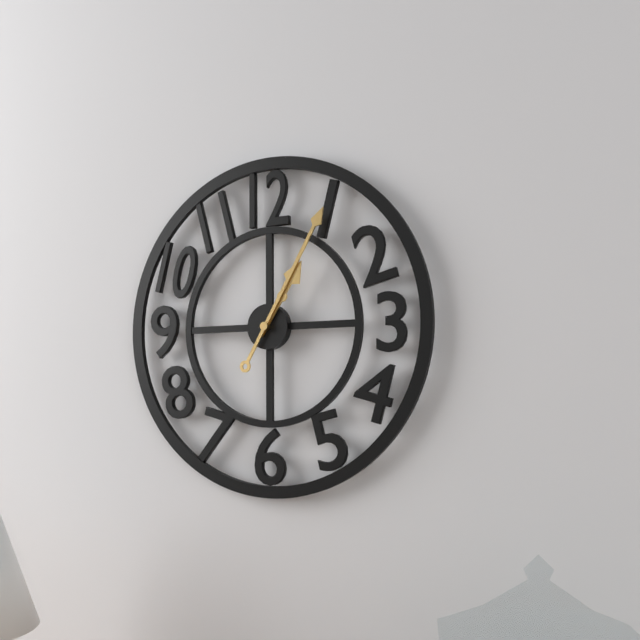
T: 1 h 05 min
